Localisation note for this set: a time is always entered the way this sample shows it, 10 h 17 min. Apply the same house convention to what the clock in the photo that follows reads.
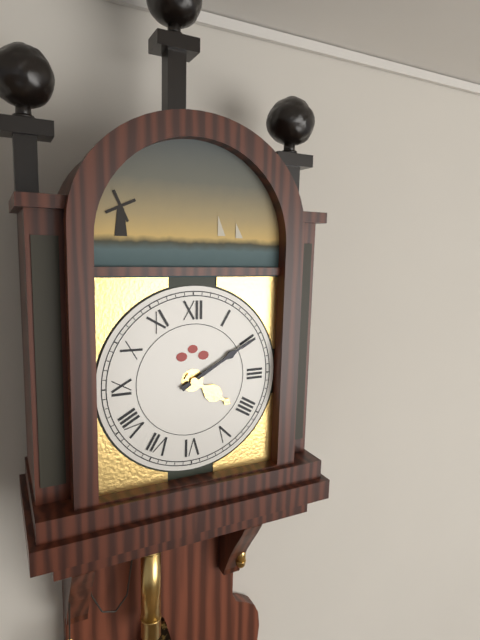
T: 4 h 10 min
